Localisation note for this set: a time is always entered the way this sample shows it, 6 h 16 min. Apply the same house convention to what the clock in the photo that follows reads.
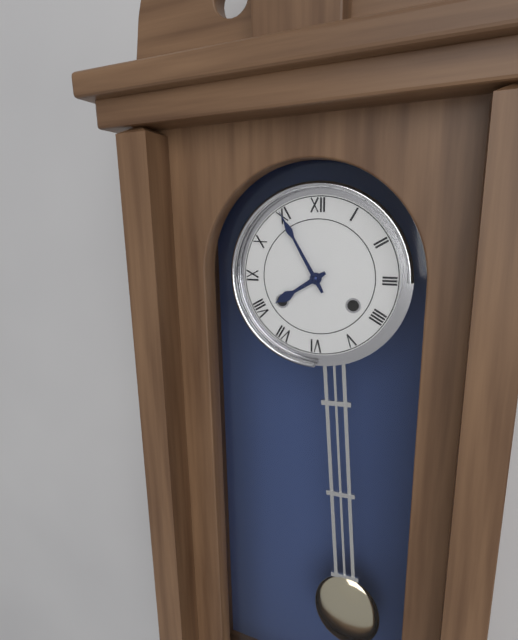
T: 7 h 55 min
